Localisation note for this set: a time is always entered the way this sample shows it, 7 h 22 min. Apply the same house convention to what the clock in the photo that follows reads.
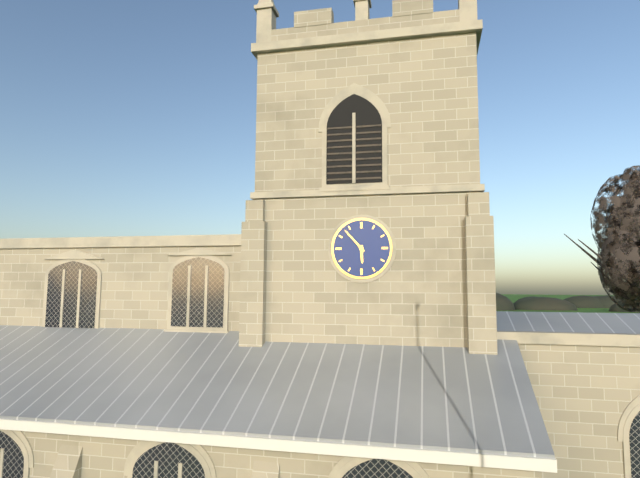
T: 5 h 53 min
